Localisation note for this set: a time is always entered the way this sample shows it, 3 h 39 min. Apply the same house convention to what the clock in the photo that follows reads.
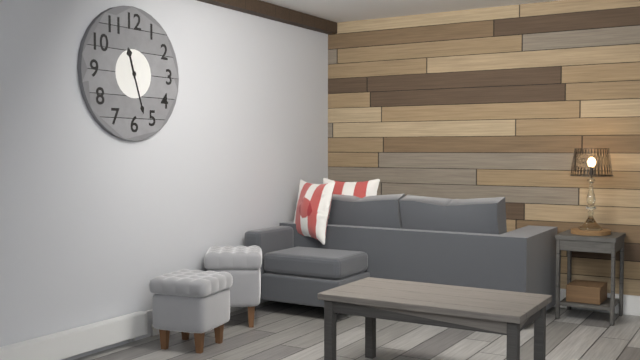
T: 11 h 27 min
